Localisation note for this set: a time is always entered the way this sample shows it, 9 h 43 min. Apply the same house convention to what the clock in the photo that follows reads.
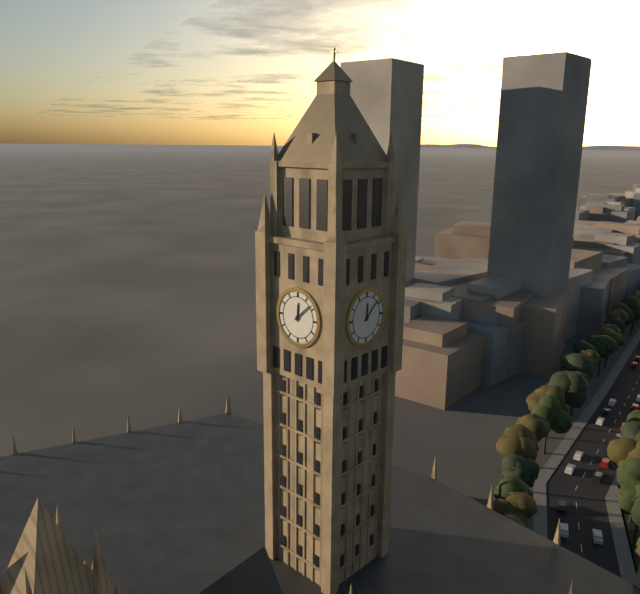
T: 12 h 08 min
